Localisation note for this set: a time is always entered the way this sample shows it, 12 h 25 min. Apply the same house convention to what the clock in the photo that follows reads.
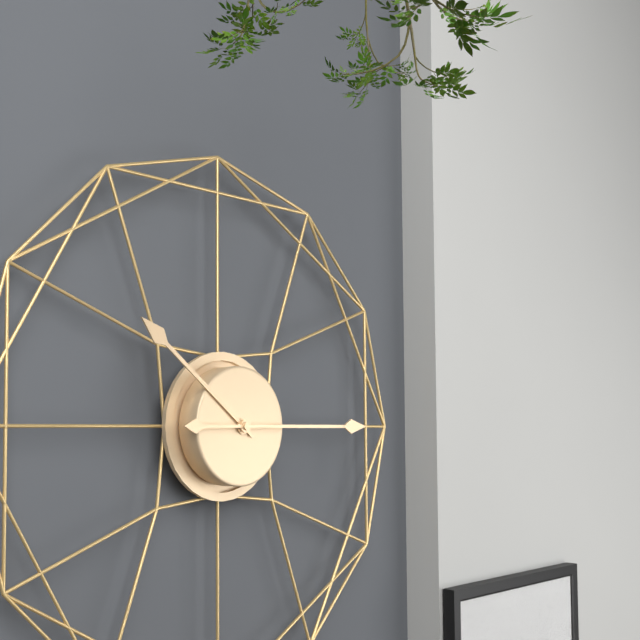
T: 10 h 15 min
